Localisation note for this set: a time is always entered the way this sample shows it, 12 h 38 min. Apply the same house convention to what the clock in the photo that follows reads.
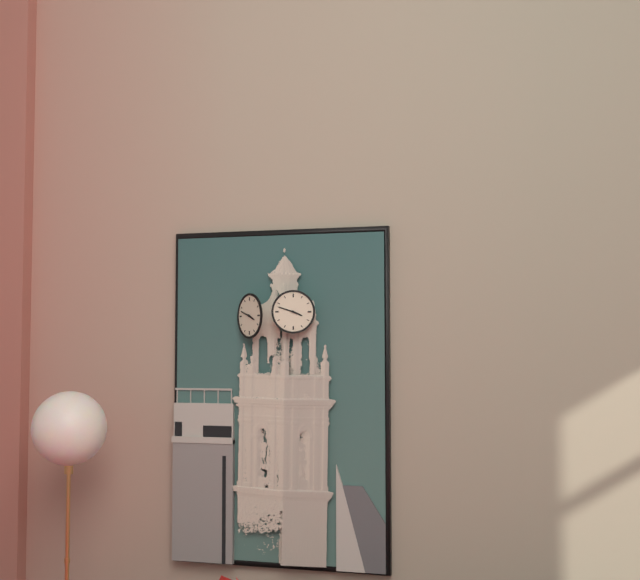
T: 3 h 48 min
